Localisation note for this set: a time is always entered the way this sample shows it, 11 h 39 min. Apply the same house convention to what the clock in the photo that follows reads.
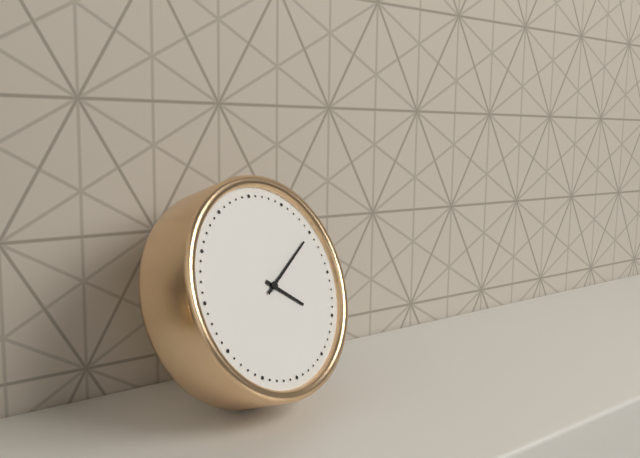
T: 4 h 10 min
